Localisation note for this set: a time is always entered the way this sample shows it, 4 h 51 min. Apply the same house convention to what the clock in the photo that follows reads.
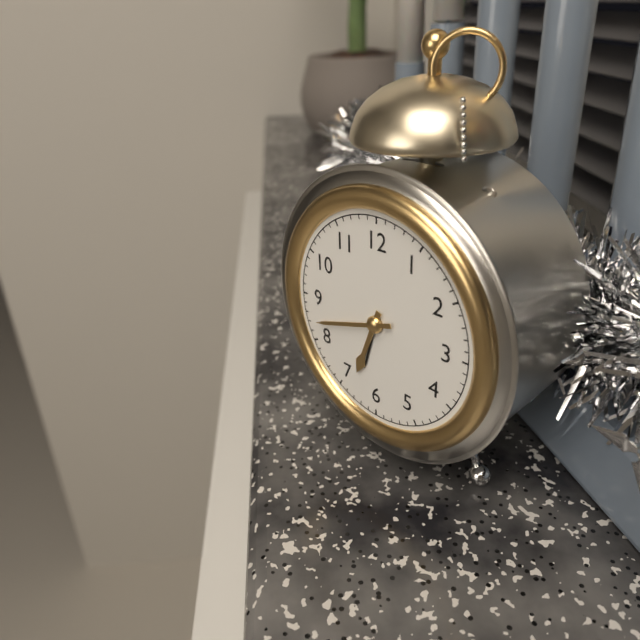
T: 6 h 42 min
